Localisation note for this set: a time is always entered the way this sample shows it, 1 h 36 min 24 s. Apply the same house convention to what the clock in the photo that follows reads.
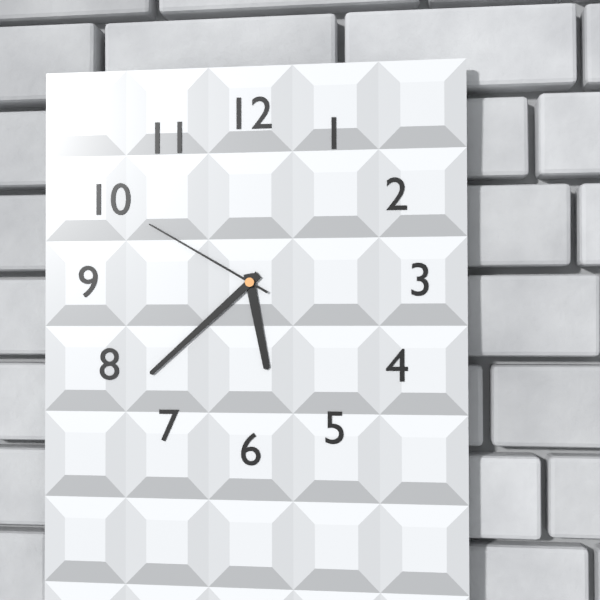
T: 5 h 38 min 50 s
